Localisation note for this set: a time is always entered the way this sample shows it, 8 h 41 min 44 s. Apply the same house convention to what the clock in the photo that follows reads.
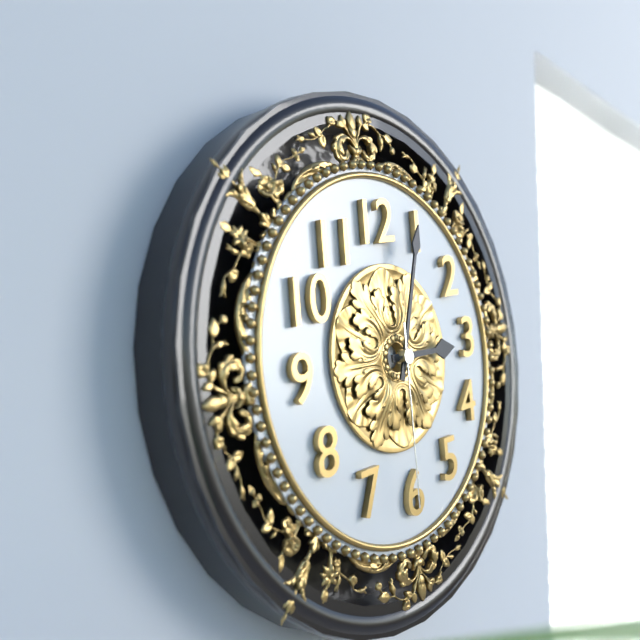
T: 3 h 04 min 31 s
